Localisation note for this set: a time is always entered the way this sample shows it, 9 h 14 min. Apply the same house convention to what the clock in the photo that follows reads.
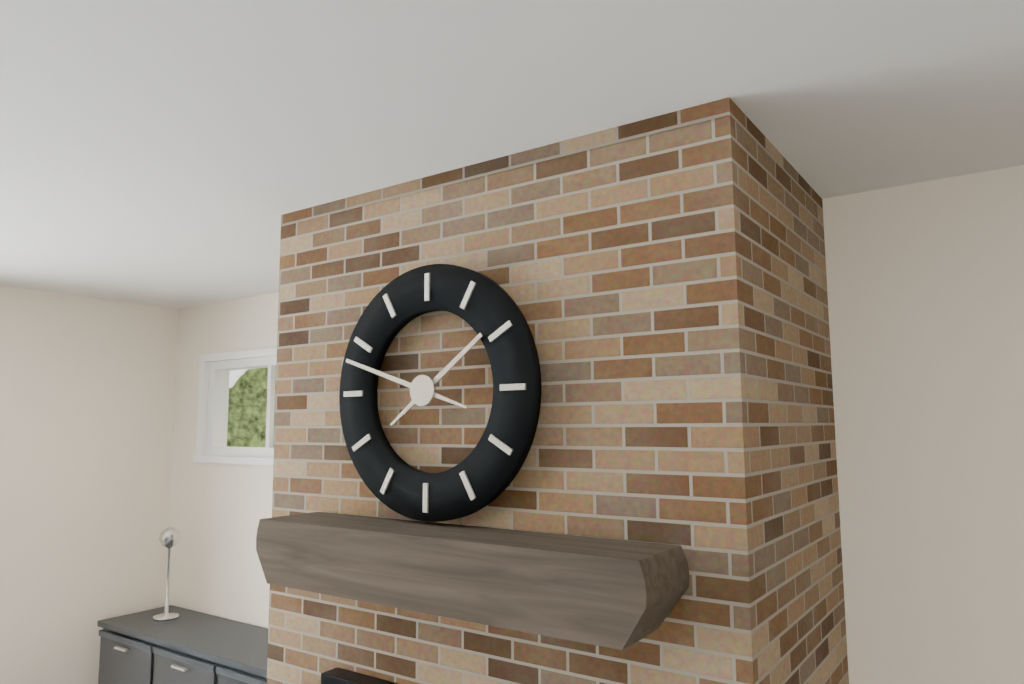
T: 1 h 48 min
